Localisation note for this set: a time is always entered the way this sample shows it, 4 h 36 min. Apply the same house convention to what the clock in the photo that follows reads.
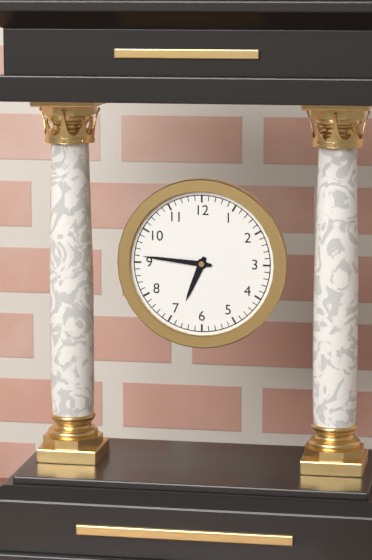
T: 6 h 46 min
